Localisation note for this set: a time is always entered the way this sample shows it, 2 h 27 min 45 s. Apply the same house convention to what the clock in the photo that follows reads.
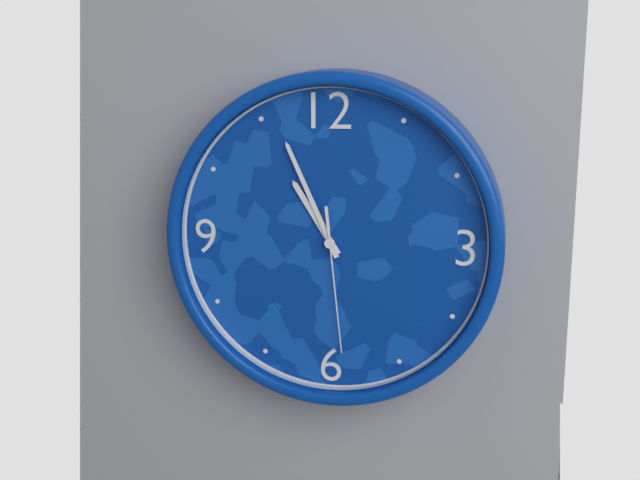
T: 10 h 56 min 29 s
